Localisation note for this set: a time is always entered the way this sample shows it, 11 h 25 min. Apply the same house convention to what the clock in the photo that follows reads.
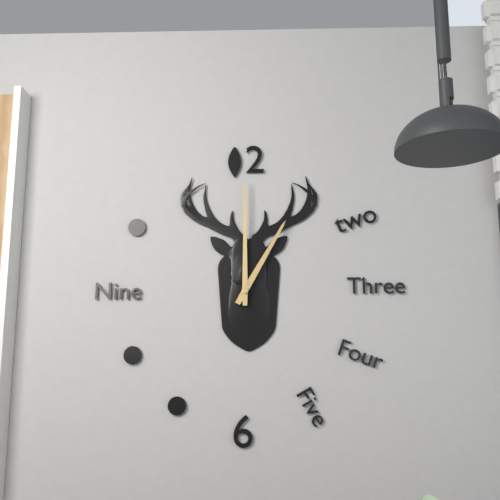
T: 1 h 00 min
